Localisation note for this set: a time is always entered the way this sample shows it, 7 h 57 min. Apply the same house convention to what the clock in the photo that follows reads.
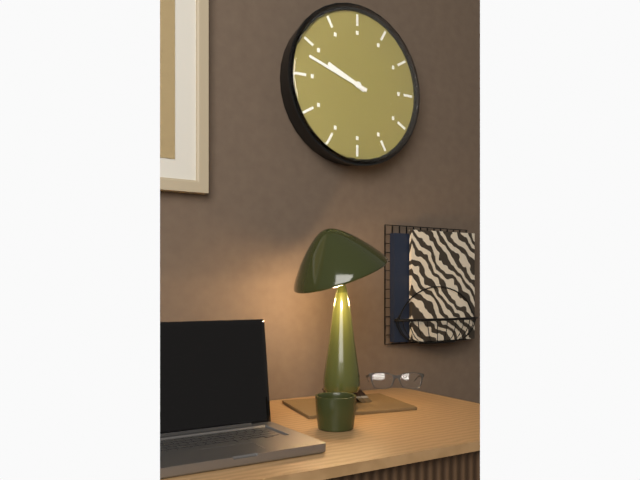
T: 9 h 48 min
